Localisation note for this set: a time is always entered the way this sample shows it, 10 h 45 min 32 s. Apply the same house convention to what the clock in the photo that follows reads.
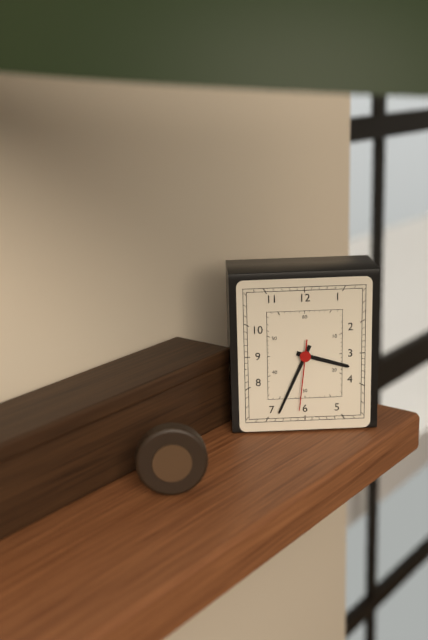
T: 3 h 34 min 31 s
